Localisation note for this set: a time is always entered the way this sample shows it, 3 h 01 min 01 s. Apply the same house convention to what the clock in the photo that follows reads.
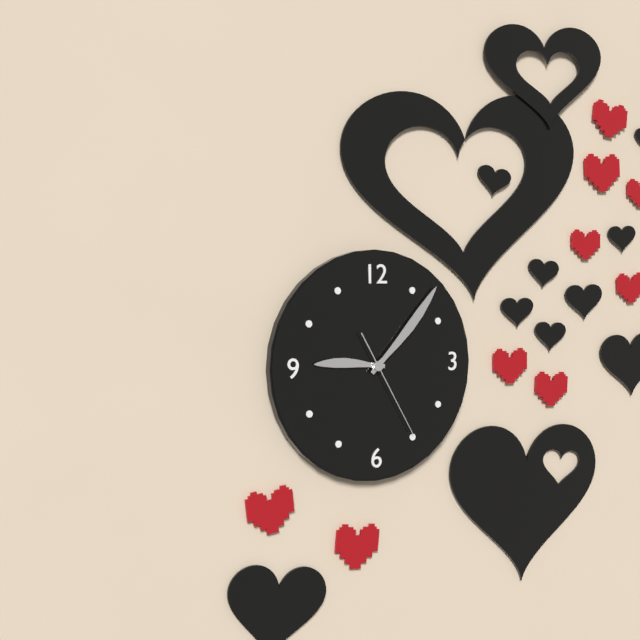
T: 9 h 07 min 25 s
